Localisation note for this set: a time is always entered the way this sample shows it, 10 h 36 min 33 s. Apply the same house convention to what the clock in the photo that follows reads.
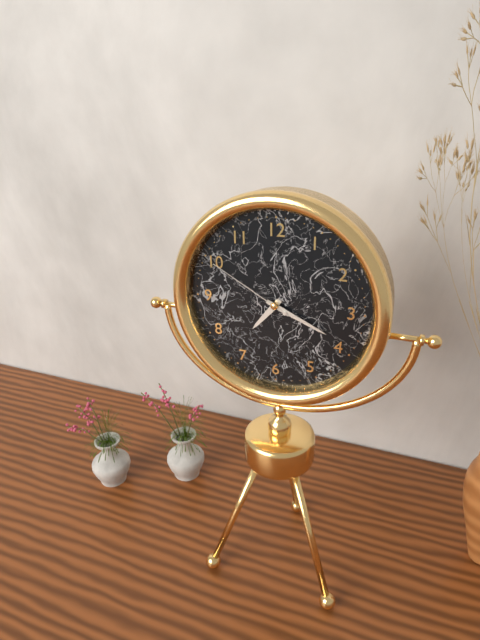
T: 7 h 19 min 50 s
